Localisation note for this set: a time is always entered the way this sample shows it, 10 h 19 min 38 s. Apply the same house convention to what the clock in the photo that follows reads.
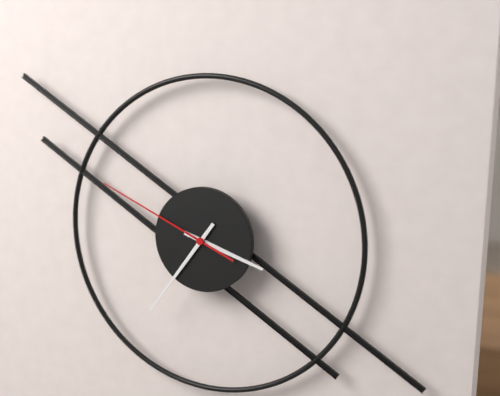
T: 3 h 36 min 49 s
